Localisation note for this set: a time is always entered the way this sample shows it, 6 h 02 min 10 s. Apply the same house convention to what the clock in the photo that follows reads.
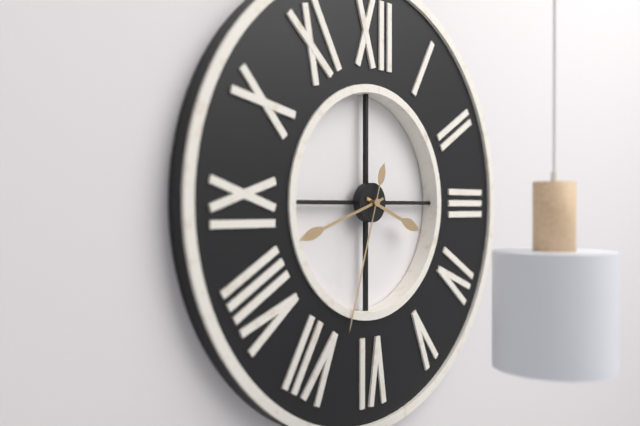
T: 3 h 42 min 33 s
